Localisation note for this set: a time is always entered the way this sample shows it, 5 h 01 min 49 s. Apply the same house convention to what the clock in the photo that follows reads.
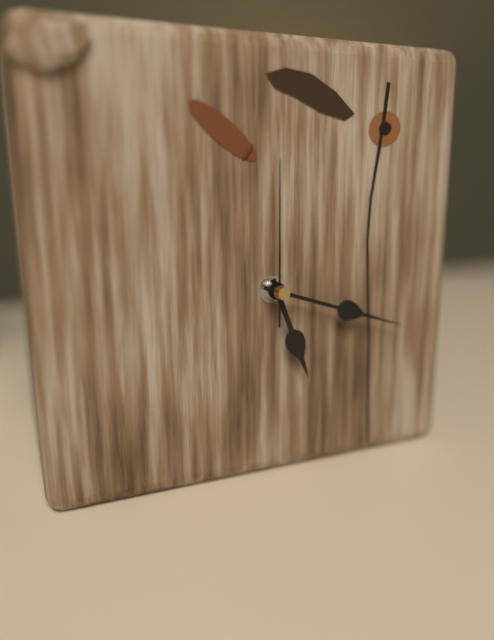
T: 5 h 18 min 00 s
